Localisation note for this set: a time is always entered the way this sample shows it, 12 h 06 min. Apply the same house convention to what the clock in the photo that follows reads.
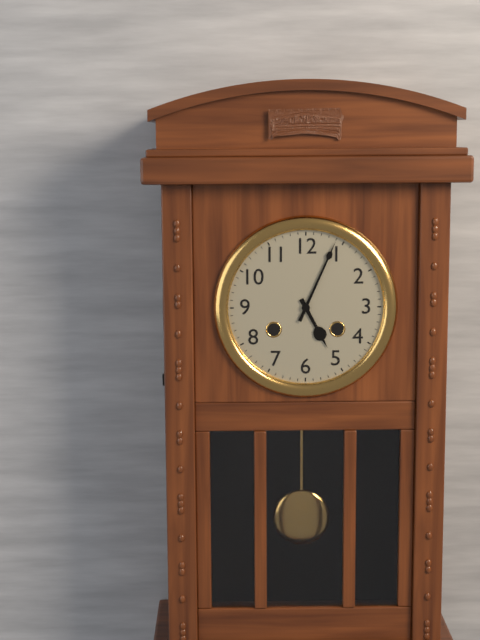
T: 5 h 04 min
